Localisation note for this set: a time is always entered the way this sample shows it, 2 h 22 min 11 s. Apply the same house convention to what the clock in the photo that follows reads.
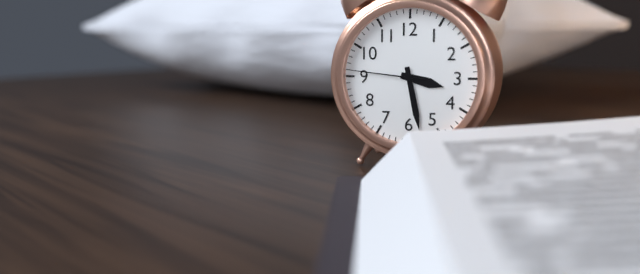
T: 3 h 28 min 46 s
